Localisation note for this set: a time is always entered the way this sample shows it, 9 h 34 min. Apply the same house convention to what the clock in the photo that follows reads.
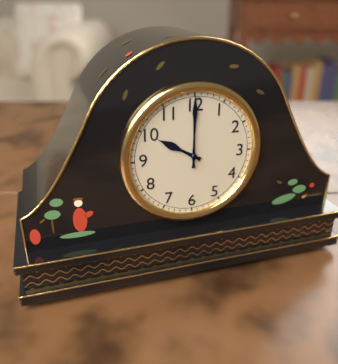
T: 10 h 00 min
